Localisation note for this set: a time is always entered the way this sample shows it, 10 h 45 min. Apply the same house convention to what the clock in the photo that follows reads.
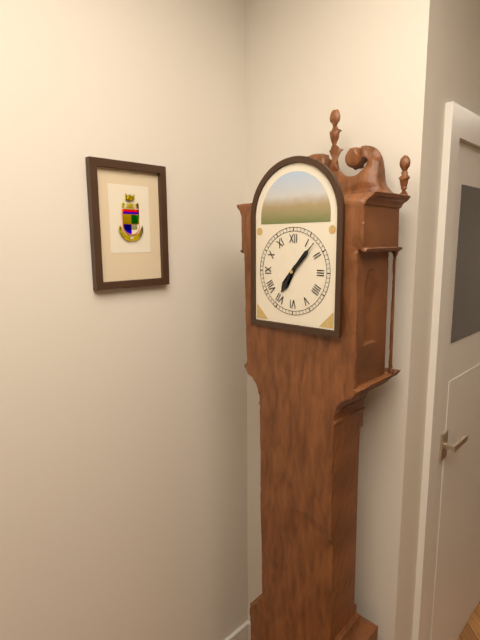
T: 7 h 07 min
